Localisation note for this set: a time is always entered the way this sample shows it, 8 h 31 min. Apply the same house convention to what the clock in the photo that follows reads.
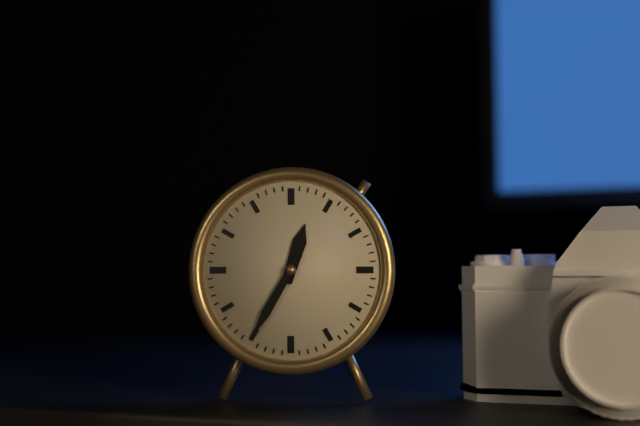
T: 12 h 35 min
